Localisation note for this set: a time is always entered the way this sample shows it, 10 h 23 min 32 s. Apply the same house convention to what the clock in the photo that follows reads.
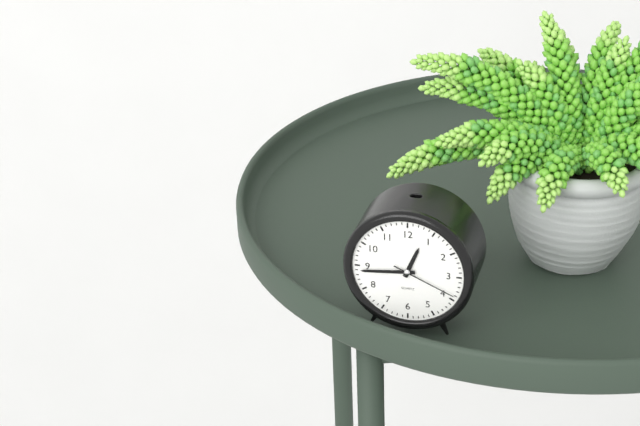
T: 12 h 44 min 19 s
